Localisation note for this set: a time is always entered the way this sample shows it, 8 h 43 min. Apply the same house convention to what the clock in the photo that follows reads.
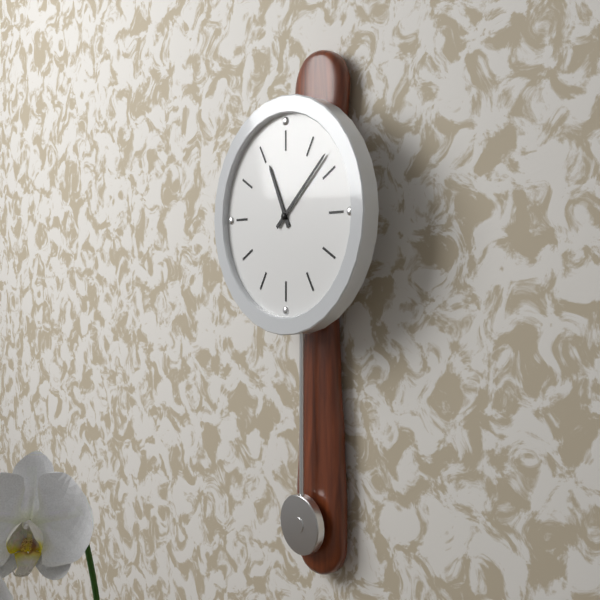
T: 11 h 08 min
